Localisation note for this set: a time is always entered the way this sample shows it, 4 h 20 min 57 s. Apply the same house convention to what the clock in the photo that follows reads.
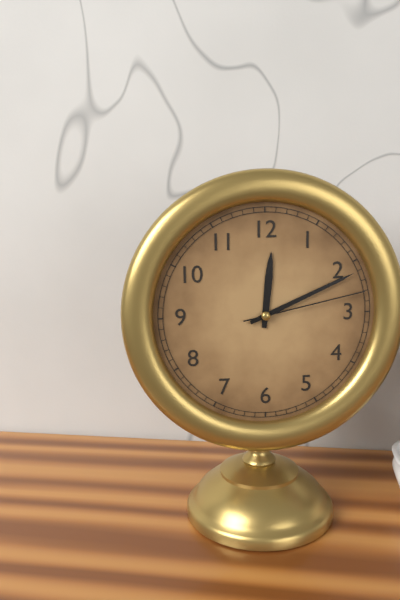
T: 12 h 11 min 13 s
